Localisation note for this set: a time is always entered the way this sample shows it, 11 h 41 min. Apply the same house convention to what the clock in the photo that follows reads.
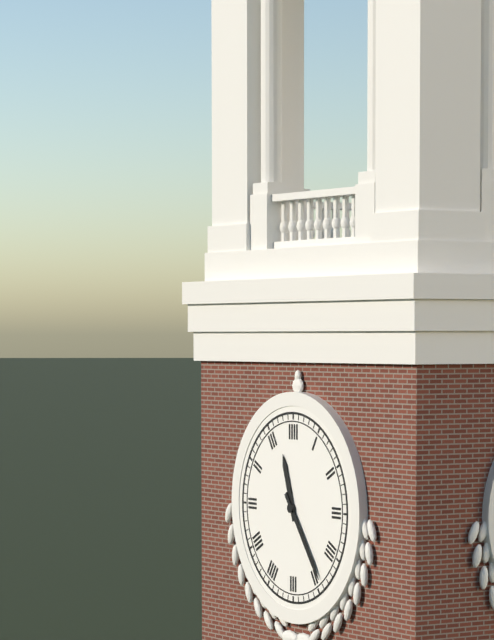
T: 11 h 24 min
